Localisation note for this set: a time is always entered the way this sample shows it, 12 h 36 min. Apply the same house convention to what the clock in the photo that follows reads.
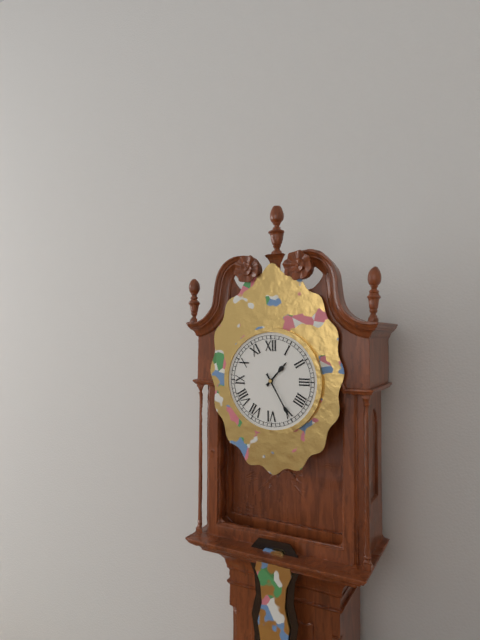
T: 1 h 25 min
